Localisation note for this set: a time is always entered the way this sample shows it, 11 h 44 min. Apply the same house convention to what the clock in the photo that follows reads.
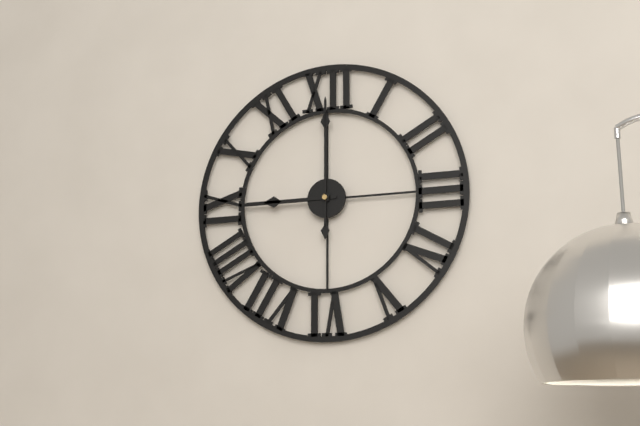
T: 9 h 00 min
